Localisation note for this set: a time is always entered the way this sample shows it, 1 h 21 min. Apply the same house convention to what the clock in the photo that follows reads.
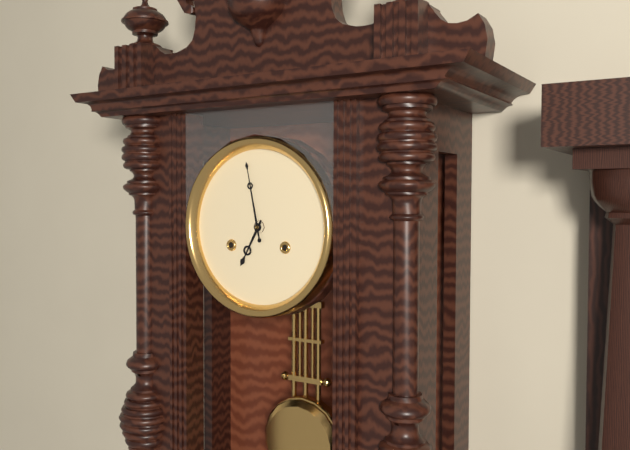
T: 6 h 58 min
